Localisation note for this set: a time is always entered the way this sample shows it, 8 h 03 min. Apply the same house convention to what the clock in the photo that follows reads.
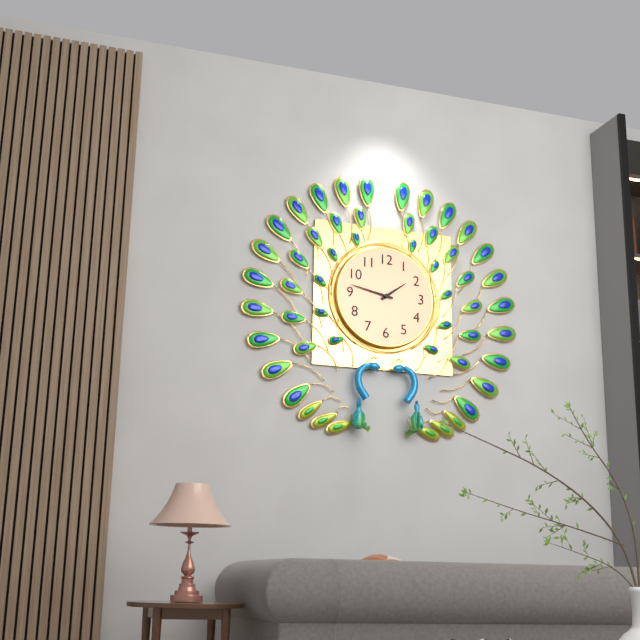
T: 1 h 47 min
